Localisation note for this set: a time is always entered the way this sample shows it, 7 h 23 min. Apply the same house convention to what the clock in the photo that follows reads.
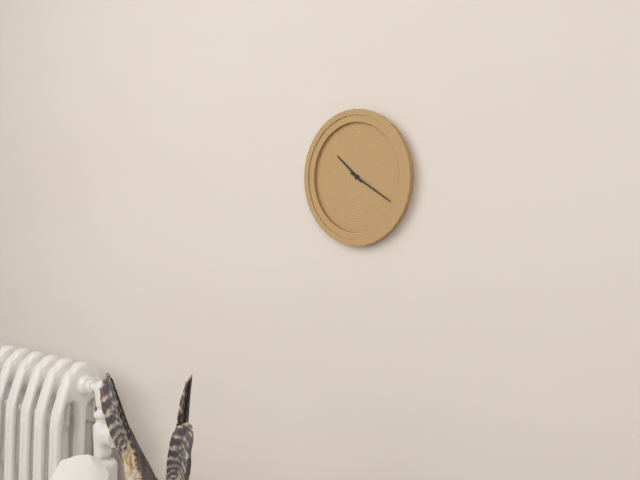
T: 10 h 20 min
